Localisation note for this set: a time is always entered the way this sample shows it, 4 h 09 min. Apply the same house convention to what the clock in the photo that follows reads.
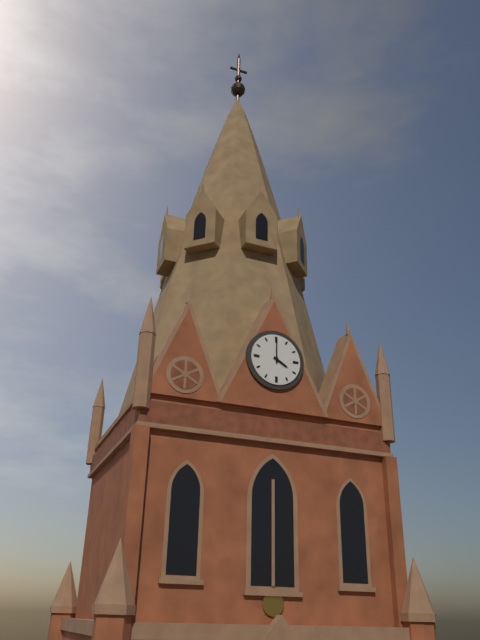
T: 4 h 00 min
